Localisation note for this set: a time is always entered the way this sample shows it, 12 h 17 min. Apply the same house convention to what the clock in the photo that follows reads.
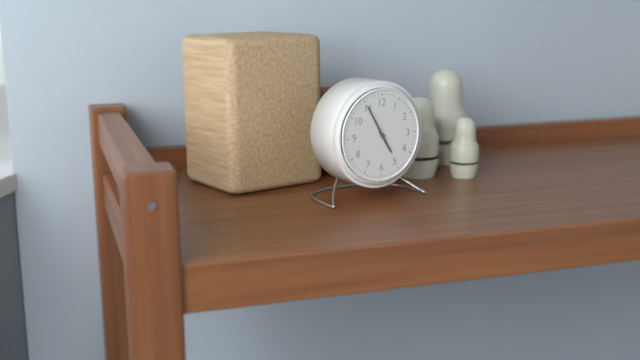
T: 4 h 55 min
